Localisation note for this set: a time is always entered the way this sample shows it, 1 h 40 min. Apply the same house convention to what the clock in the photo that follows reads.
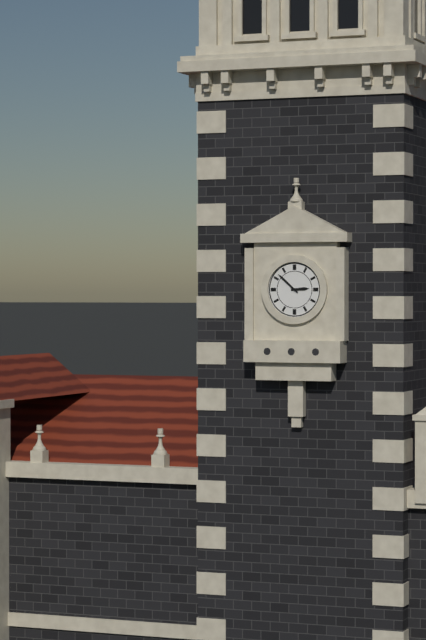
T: 2 h 52 min
